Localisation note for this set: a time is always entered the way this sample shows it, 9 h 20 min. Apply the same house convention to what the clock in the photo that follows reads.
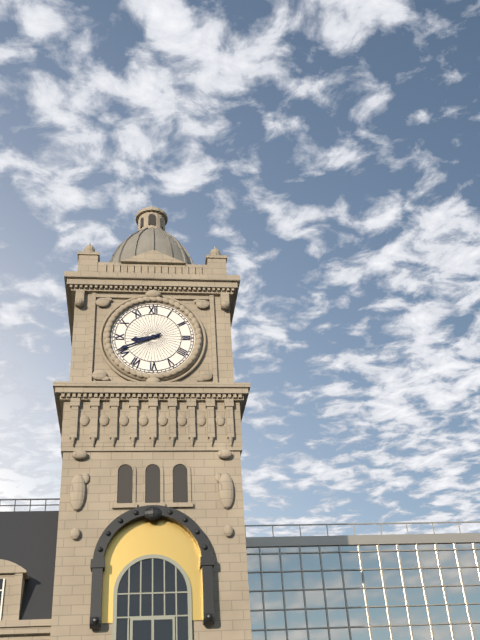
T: 8 h 41 min
